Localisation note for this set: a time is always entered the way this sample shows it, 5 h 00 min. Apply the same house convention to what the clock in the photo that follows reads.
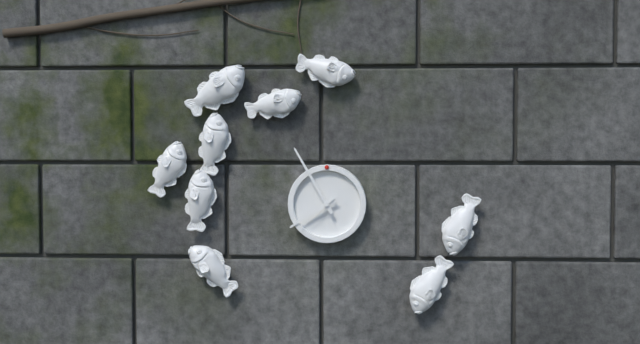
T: 7 h 55 min
